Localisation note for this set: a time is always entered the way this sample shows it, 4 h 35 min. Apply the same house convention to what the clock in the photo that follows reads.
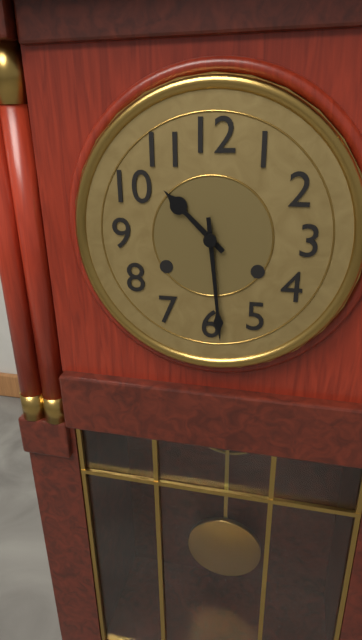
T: 10 h 29 min
